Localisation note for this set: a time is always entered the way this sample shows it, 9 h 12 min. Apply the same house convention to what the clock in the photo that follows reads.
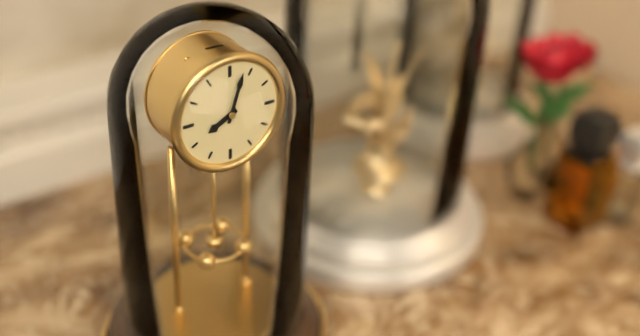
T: 8 h 03 min
